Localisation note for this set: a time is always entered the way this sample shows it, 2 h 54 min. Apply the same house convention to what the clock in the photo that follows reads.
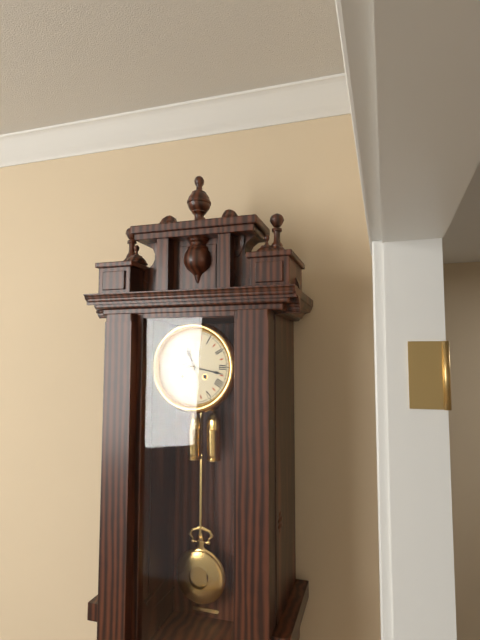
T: 11 h 17 min
